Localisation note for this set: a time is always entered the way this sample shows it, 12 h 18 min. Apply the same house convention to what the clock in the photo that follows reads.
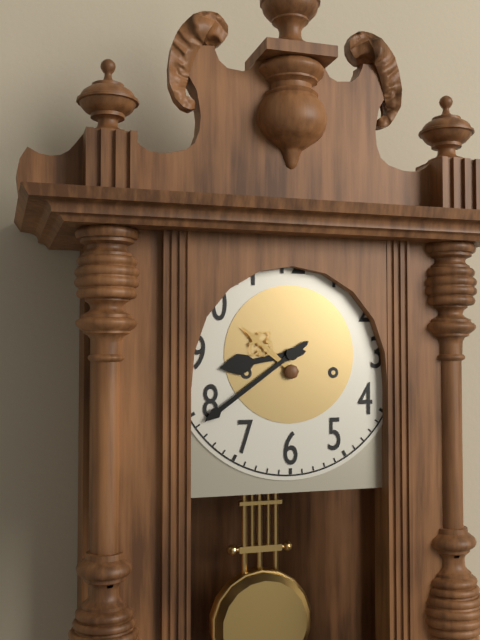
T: 8 h 39 min
